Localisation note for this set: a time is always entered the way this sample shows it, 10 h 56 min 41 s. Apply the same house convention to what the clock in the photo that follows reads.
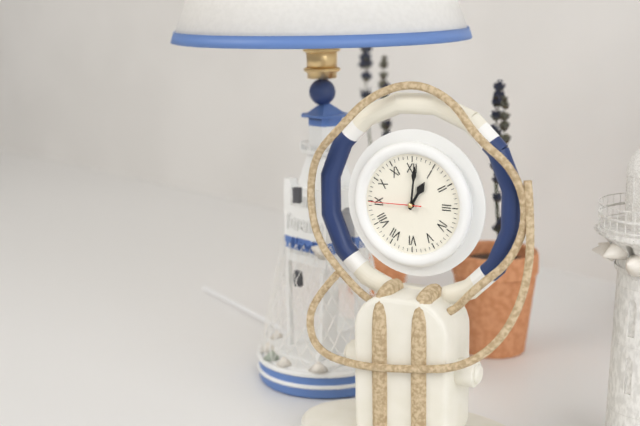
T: 1 h 01 min 45 s
